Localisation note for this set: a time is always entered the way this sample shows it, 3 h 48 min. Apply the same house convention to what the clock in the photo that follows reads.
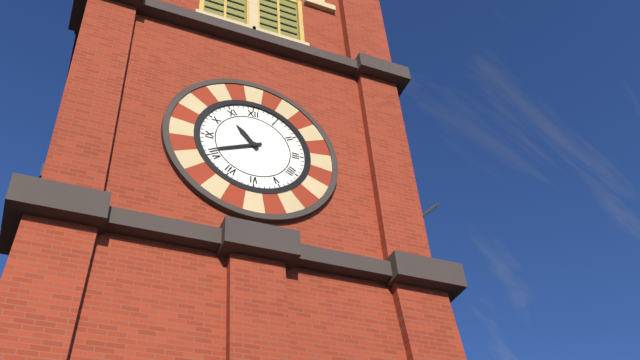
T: 10 h 41 min
